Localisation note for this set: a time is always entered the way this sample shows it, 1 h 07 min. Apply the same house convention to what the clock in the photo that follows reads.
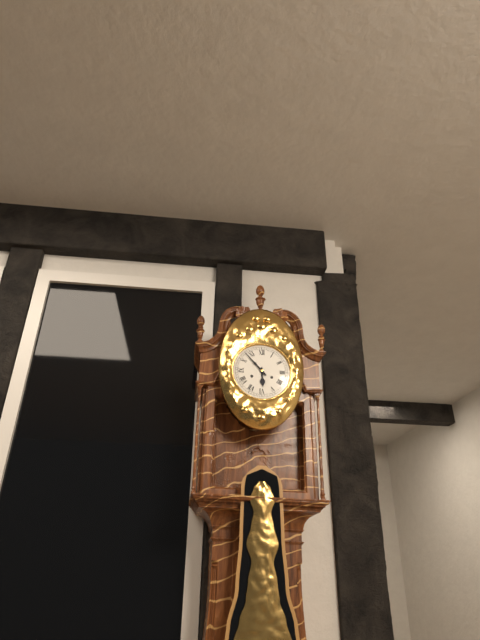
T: 5 h 53 min
